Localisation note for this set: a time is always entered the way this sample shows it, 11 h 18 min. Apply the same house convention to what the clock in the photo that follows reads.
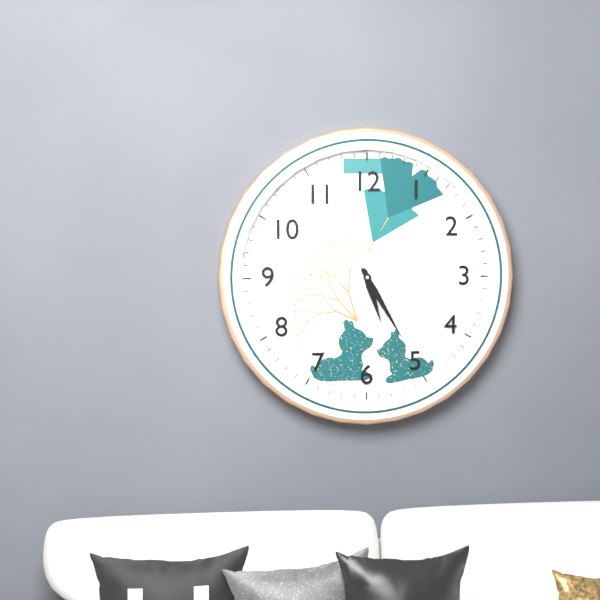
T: 5 h 25 min
